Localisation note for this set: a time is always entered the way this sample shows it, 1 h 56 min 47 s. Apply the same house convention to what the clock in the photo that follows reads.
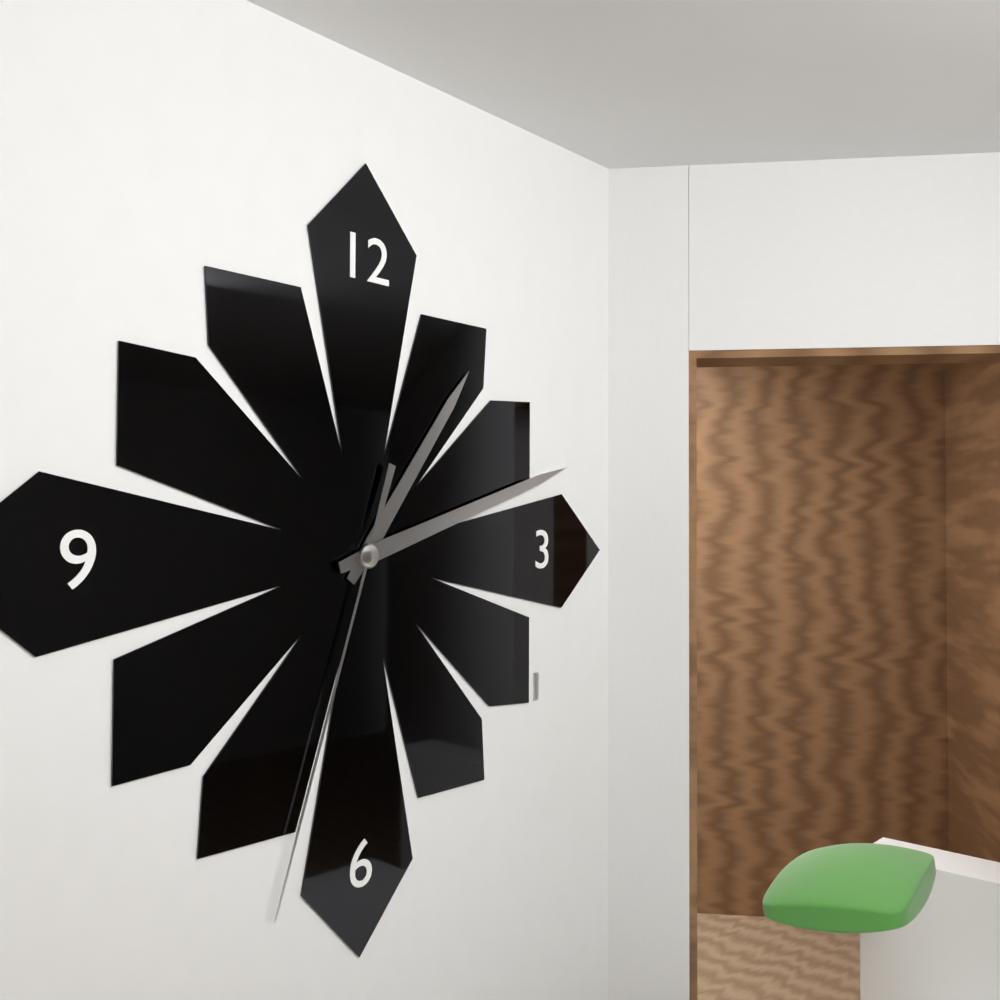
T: 1 h 12 min 33 s
